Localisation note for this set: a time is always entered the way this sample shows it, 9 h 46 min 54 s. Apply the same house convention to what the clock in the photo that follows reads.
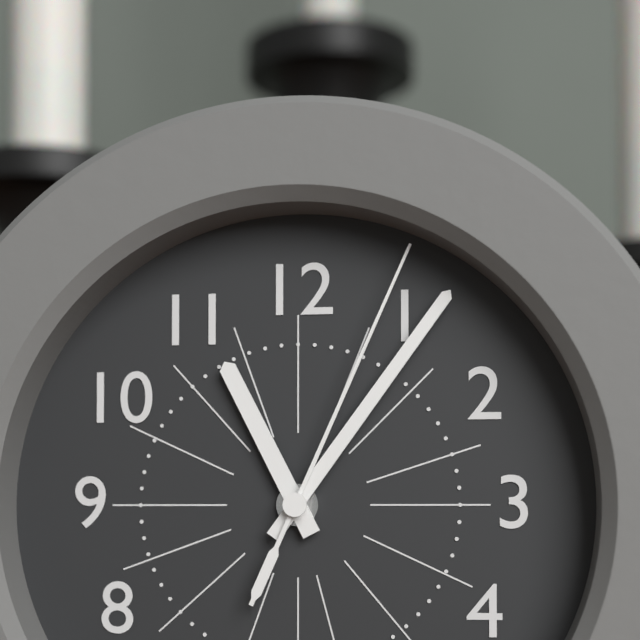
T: 11 h 06 min 04 s
